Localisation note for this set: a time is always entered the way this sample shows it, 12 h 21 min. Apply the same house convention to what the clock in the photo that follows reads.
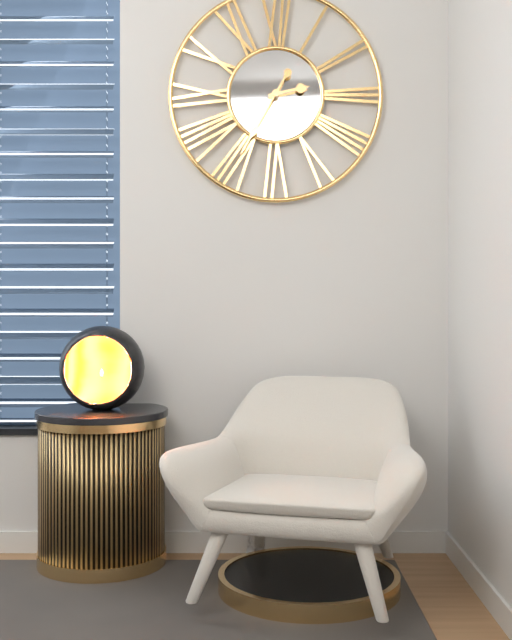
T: 2 h 35 min
